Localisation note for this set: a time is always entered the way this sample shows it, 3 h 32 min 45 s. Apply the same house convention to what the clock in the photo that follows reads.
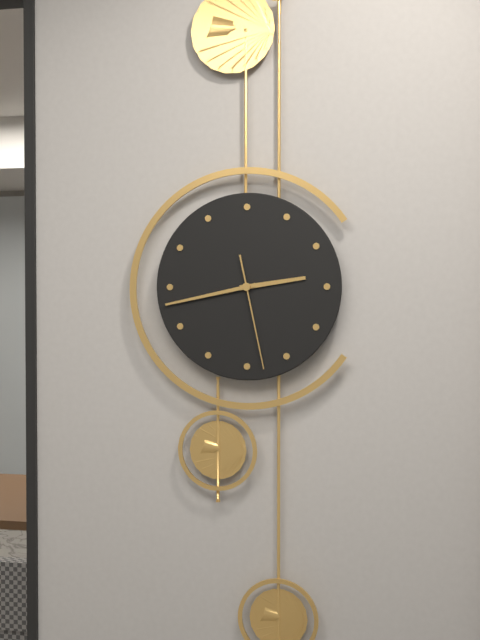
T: 2 h 43 min 28 s
